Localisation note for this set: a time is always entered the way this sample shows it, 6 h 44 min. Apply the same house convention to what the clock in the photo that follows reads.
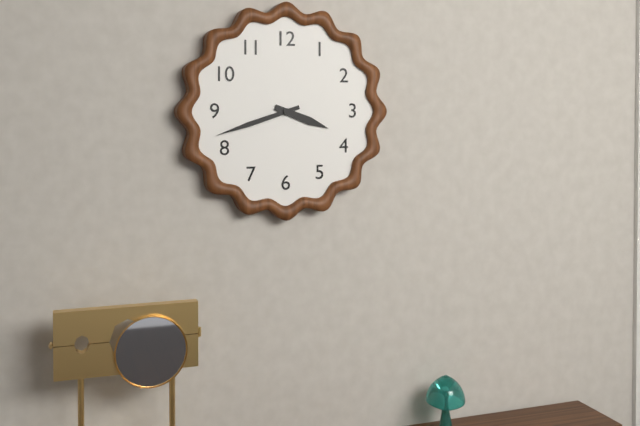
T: 3 h 42 min
